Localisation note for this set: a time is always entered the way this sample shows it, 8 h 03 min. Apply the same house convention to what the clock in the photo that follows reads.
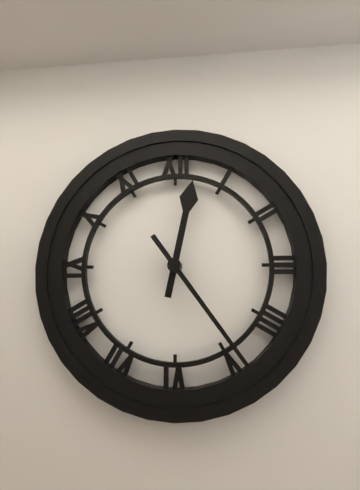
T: 12 h 24 min
